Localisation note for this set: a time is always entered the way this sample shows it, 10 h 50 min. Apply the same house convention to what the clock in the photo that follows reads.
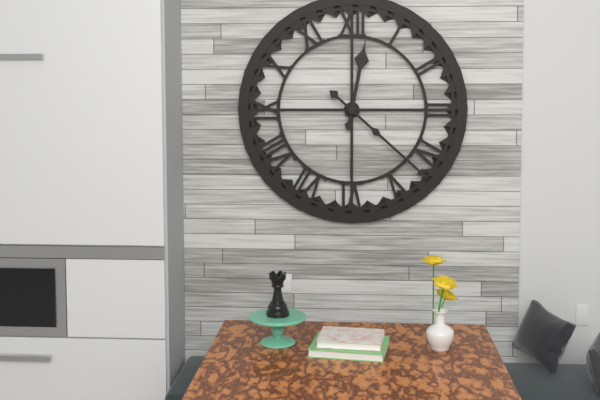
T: 12 h 22 min
